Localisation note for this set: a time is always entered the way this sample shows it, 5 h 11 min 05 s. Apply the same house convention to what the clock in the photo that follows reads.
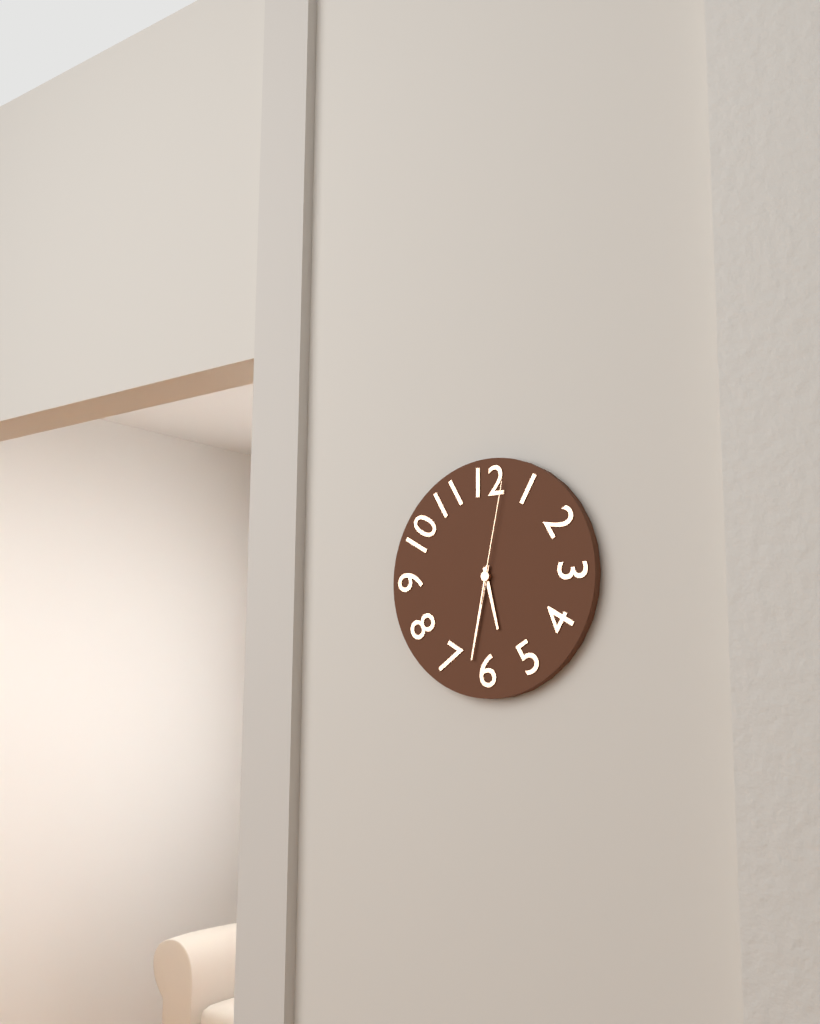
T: 5 h 32 min 02 s
